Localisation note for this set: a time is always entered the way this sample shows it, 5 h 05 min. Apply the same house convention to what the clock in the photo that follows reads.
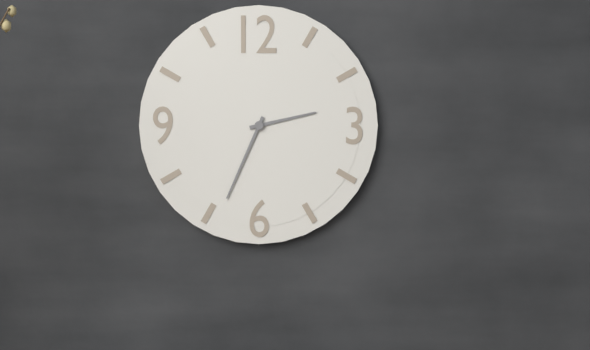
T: 2 h 34 min
